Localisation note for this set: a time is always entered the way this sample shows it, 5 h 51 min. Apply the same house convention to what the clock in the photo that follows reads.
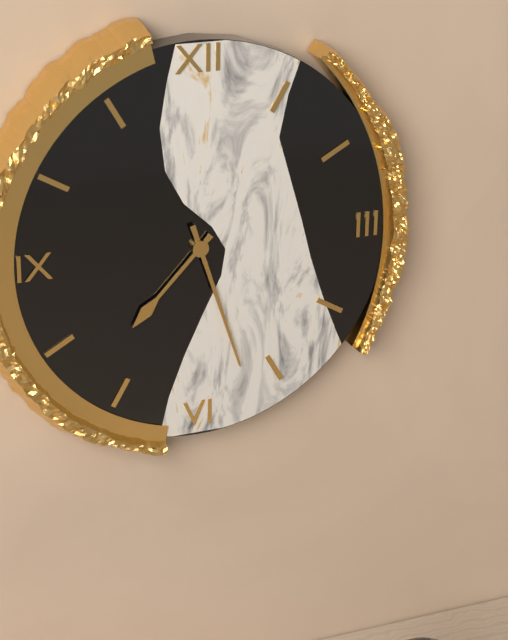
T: 7 h 27 min
